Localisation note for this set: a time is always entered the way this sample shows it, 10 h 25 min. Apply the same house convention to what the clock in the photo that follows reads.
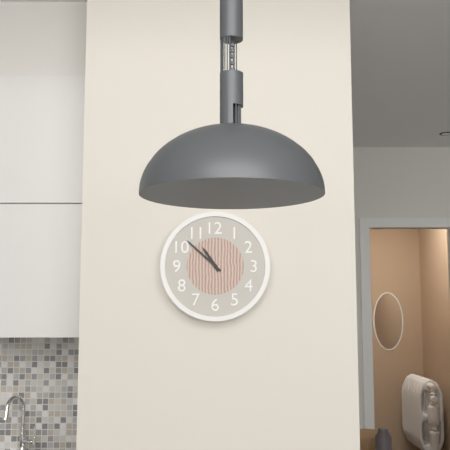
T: 10 h 52 min
